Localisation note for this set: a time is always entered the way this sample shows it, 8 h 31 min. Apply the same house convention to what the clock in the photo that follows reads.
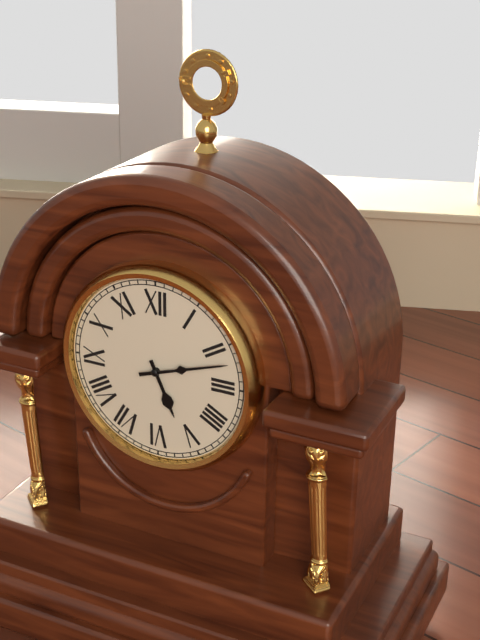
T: 5 h 12 min
